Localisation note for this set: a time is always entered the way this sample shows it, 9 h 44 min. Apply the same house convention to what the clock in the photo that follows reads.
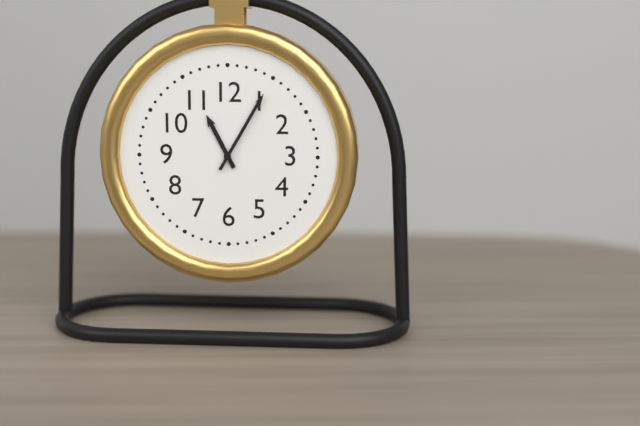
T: 11 h 05 min
